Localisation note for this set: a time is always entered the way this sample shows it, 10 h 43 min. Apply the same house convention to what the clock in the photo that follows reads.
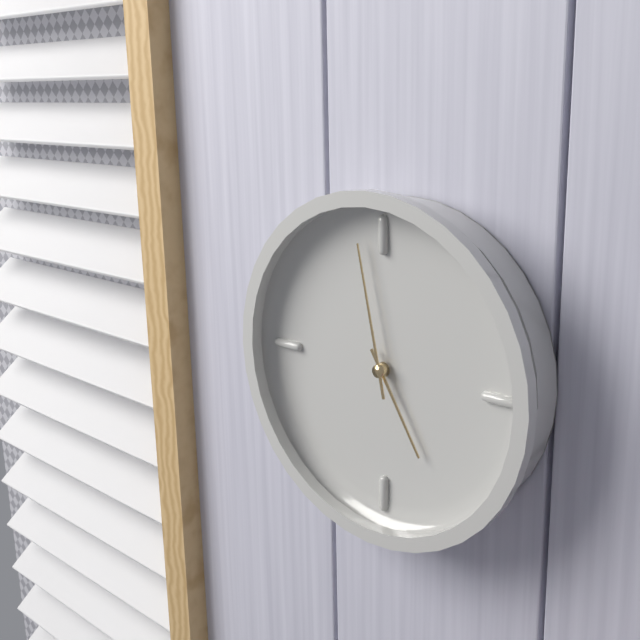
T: 4 h 58 min
